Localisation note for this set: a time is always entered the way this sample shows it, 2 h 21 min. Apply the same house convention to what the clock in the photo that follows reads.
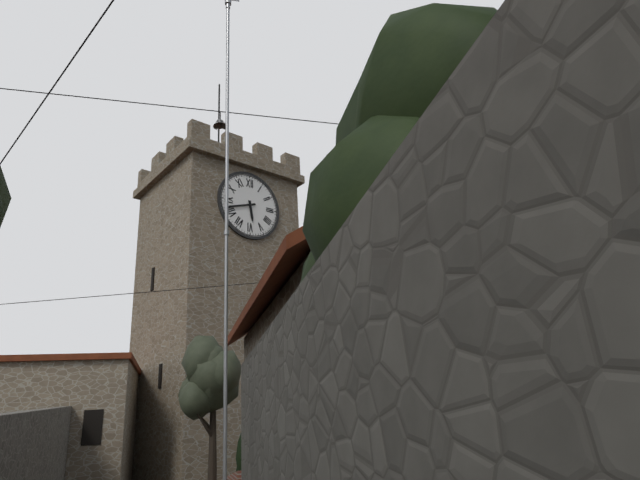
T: 5 h 42 min
